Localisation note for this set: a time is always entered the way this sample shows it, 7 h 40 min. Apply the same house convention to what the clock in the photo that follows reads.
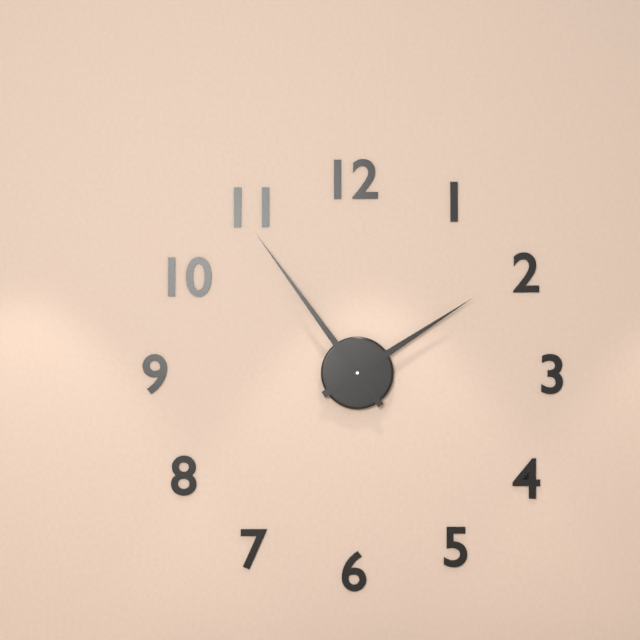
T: 1 h 54 min
